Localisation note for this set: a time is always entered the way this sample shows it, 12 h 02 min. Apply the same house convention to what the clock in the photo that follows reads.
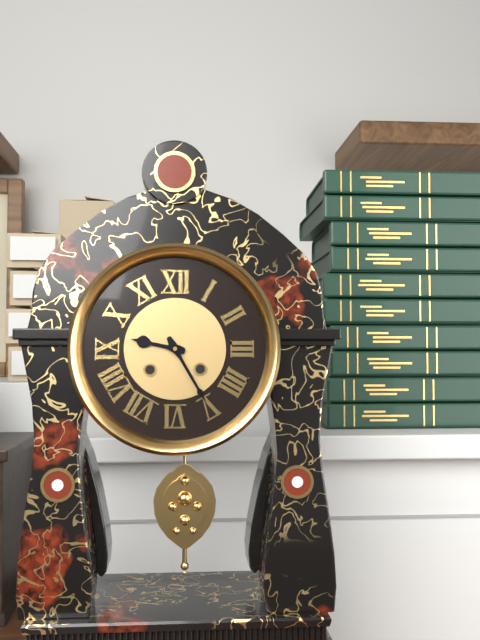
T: 9 h 25 min
